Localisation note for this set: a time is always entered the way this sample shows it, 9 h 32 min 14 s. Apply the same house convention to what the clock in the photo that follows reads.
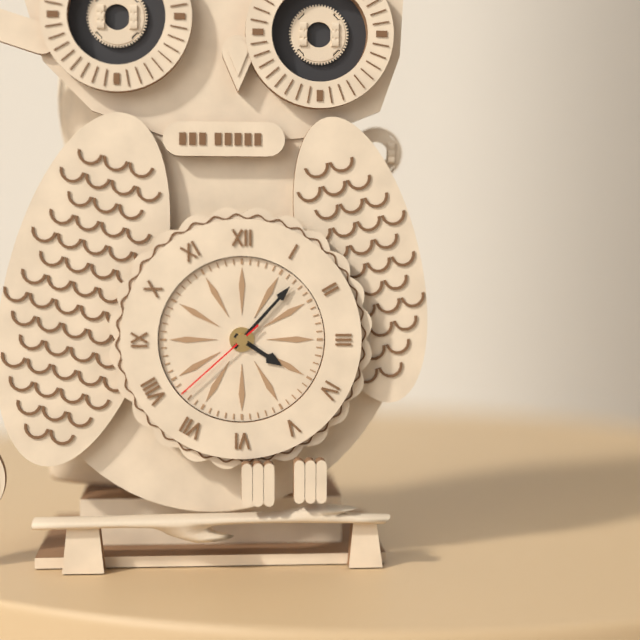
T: 4 h 07 min 38 s
